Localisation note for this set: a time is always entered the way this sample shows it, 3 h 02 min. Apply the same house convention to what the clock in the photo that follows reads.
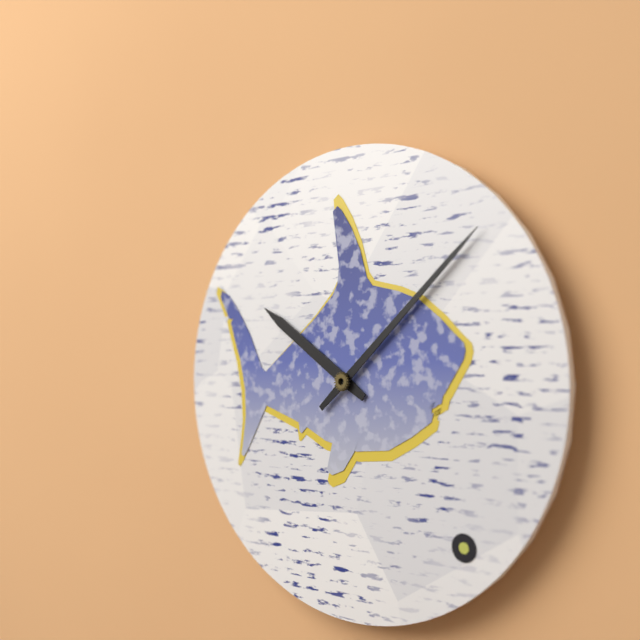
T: 10 h 08 min
